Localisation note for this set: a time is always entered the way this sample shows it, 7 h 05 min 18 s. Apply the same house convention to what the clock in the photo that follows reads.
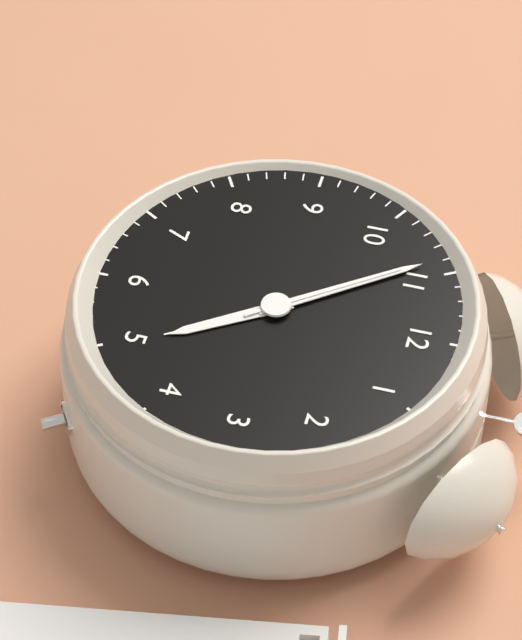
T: 4 h 54 min 54 s
